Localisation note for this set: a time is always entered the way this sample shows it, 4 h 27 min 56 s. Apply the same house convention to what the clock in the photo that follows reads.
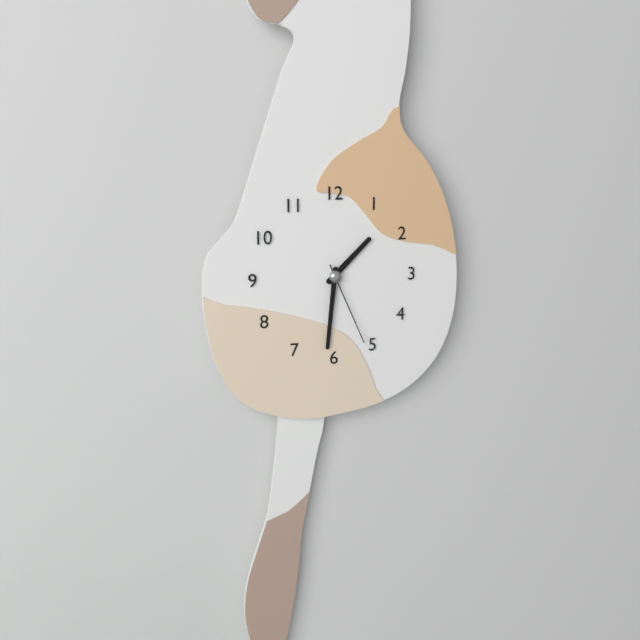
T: 1 h 31 min 26 s
